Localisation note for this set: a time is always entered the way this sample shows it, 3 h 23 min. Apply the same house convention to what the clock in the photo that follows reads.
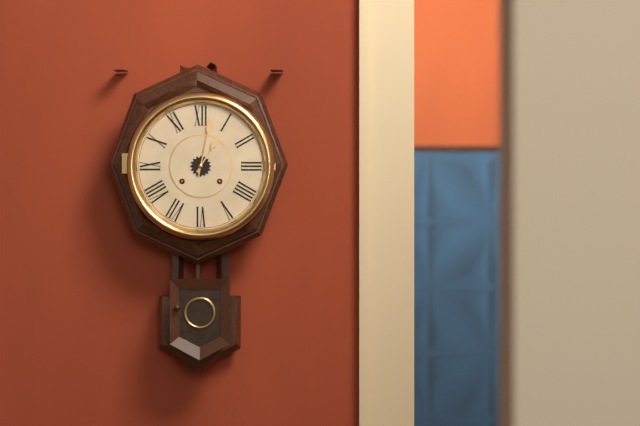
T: 1 h 02 min
